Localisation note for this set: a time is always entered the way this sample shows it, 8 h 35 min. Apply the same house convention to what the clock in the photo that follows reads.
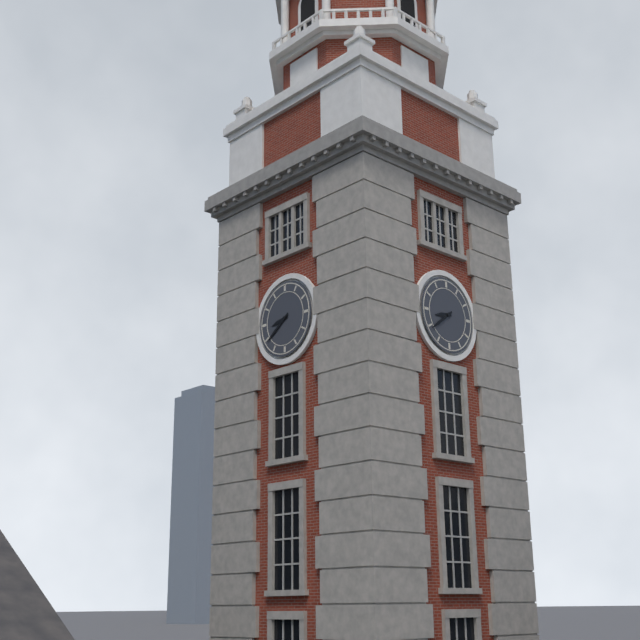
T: 8 h 39 min
